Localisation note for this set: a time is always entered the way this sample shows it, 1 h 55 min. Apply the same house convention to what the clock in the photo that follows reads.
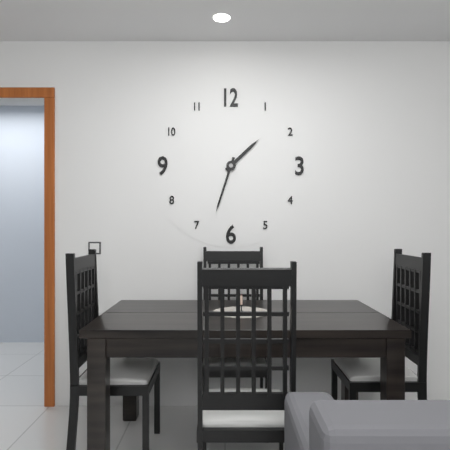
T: 1 h 33 min
